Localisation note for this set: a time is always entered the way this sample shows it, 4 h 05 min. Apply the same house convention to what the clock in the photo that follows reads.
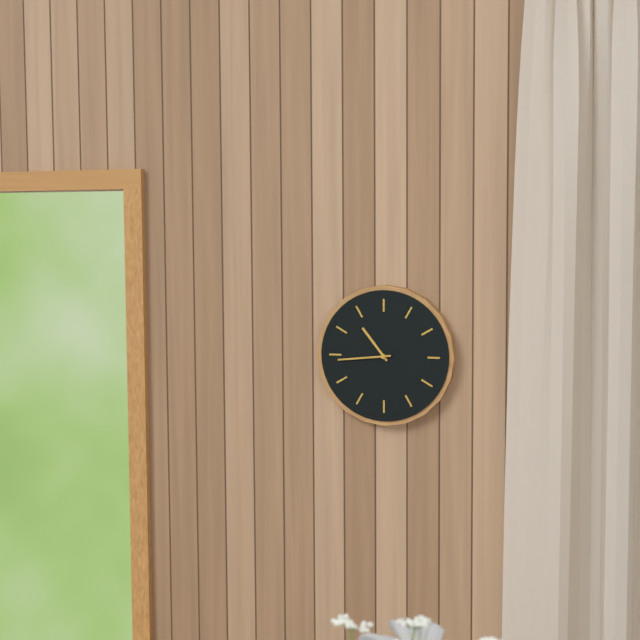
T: 10 h 44 min
